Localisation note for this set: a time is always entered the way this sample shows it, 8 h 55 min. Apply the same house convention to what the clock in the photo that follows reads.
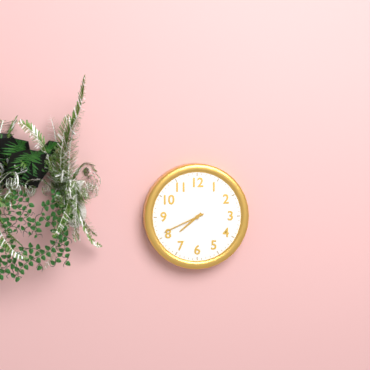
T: 7 h 41 min
